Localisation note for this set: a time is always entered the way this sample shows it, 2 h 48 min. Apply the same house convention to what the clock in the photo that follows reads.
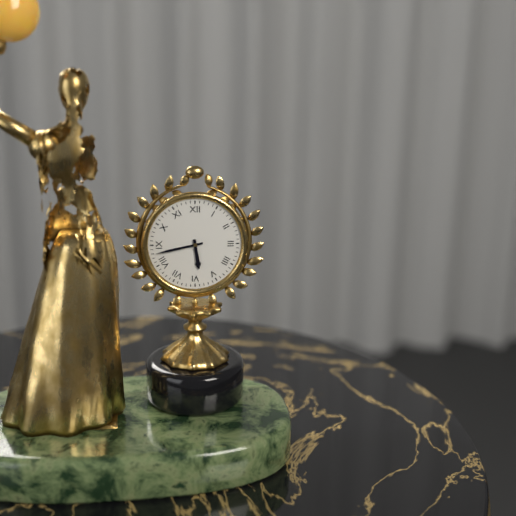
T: 5 h 43 min
